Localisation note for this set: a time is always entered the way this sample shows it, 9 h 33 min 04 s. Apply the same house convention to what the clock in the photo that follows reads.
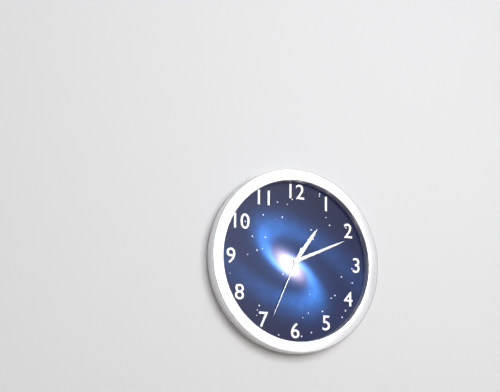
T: 1 h 11 min 34 s
